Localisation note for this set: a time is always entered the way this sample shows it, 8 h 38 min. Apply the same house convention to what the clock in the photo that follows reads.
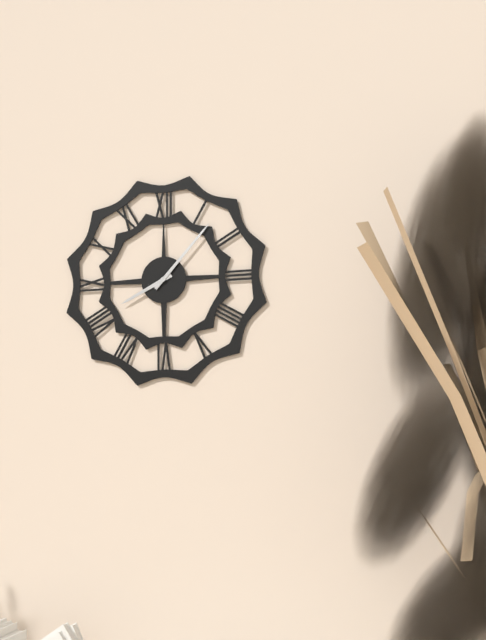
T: 8 h 07 min
